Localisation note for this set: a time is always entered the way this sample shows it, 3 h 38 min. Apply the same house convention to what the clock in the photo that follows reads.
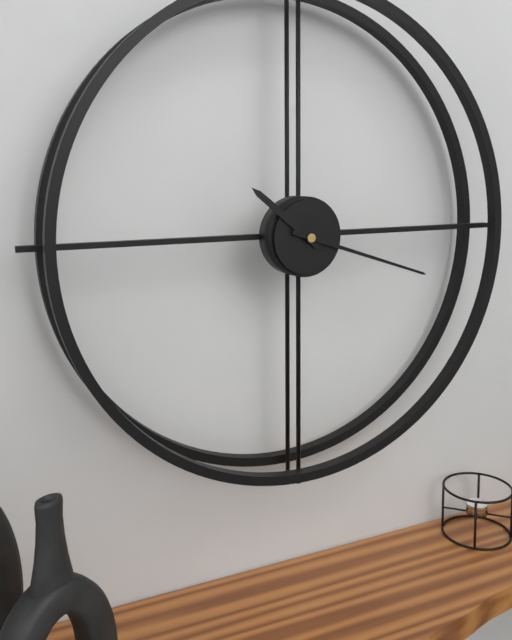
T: 10 h 18 min
